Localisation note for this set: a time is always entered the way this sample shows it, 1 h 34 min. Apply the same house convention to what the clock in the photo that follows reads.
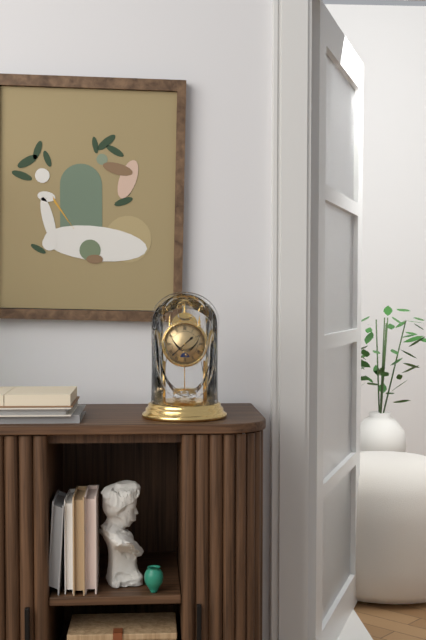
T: 1 h 38 min
